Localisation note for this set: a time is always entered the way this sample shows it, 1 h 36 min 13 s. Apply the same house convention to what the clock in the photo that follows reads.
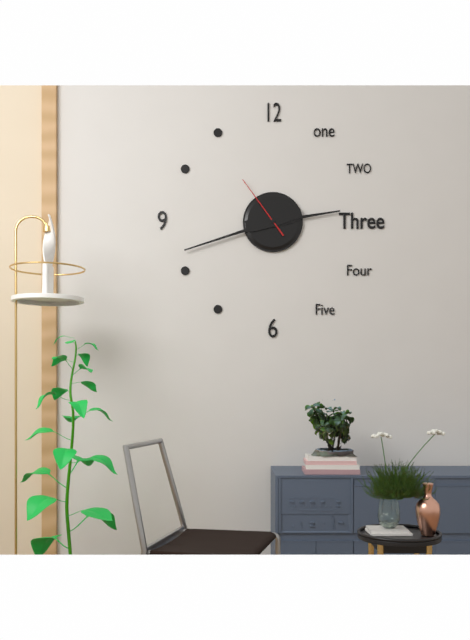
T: 2 h 42 min 54 s
